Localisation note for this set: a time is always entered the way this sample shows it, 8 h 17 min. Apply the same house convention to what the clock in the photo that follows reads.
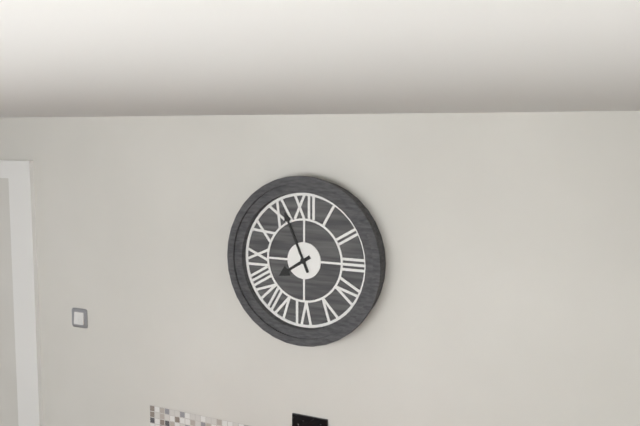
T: 7 h 56 min
